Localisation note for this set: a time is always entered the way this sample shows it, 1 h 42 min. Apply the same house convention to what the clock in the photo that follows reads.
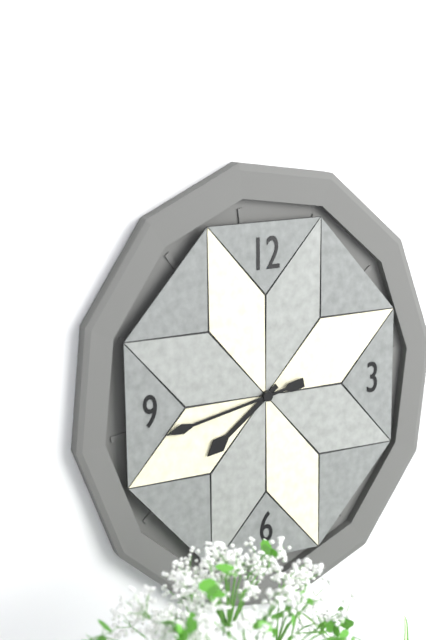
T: 7 h 43 min
